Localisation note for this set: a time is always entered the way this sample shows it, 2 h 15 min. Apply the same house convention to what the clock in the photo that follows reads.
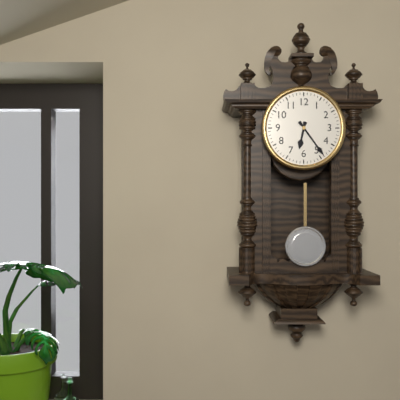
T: 6 h 24 min
